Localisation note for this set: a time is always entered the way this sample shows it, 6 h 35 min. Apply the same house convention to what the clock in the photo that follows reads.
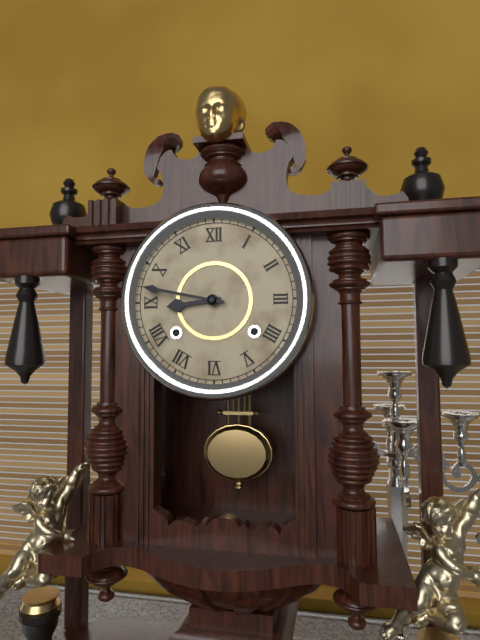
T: 8 h 47 min
